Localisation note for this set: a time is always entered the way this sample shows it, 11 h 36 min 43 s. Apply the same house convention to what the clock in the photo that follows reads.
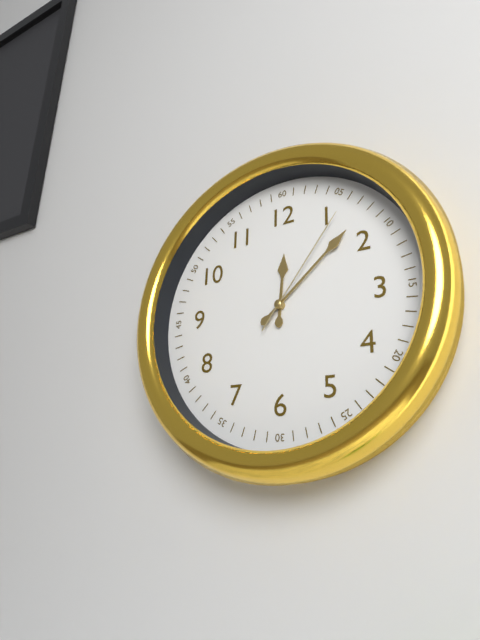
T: 12 h 08 min 06 s
